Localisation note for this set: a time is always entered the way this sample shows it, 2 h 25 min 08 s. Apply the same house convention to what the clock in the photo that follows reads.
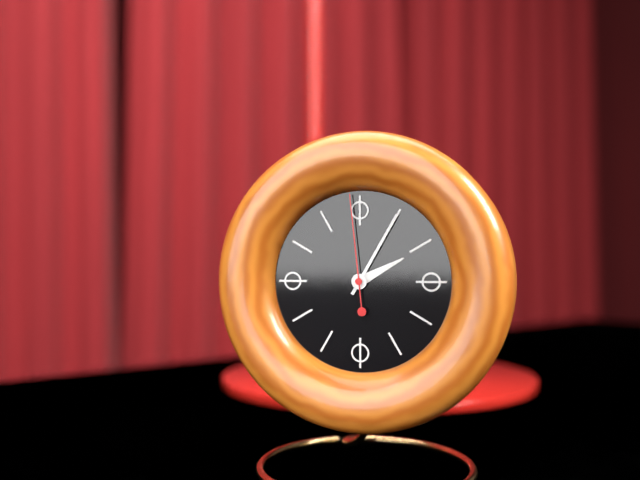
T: 2 h 05 min 59 s
